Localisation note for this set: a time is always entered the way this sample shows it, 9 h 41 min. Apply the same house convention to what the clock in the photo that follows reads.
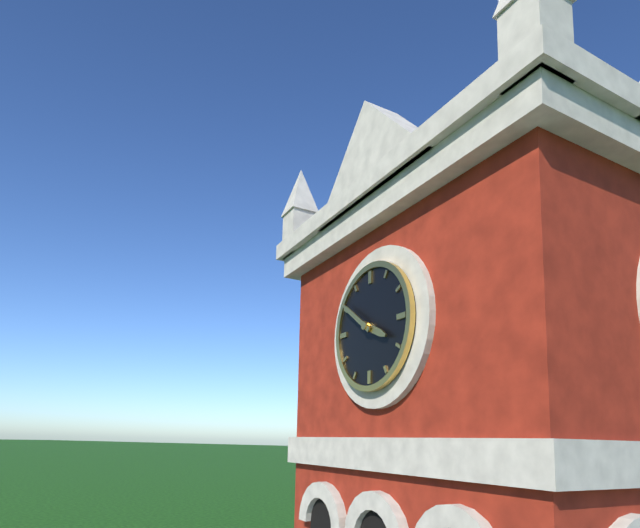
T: 3 h 51 min
